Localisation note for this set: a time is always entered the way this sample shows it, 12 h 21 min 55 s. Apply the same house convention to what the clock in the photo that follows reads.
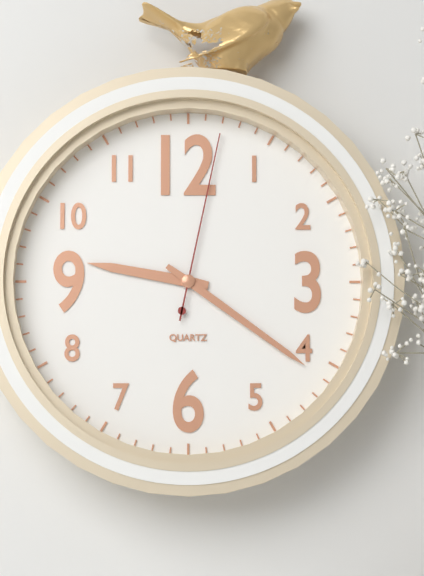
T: 9 h 21 min 02 s
